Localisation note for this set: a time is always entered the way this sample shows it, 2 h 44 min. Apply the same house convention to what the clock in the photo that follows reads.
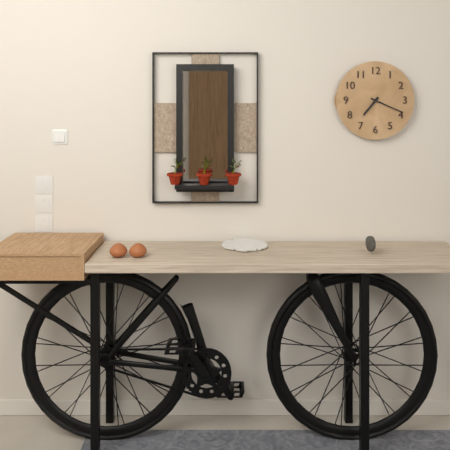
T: 7 h 19 min
